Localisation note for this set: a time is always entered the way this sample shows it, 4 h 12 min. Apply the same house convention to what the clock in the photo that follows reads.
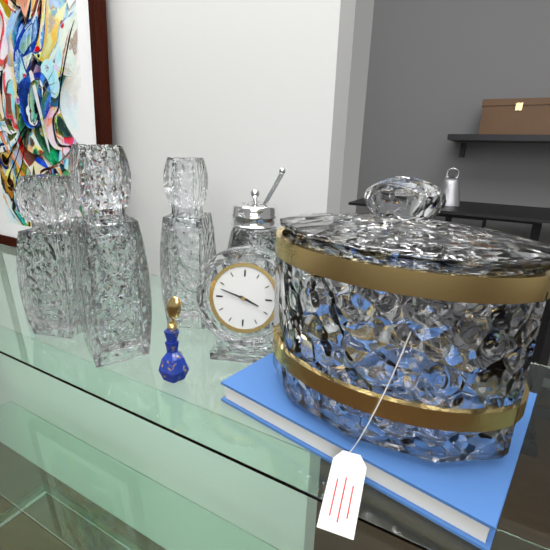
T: 3 h 48 min
